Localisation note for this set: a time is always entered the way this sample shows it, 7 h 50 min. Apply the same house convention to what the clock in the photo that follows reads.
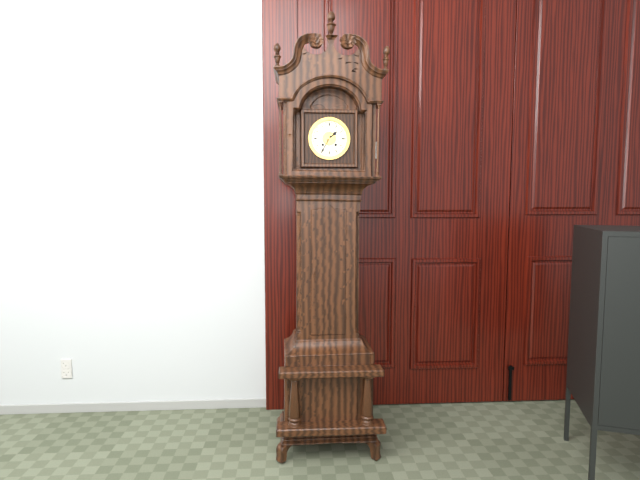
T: 1 h 35 min
